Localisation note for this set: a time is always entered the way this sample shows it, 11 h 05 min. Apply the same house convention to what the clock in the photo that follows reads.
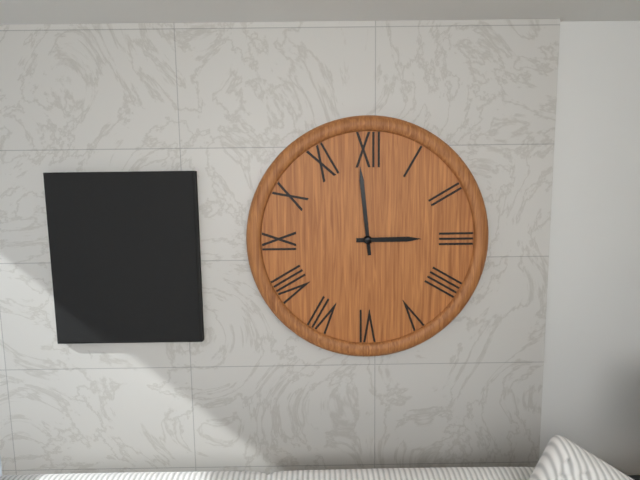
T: 2 h 59 min
